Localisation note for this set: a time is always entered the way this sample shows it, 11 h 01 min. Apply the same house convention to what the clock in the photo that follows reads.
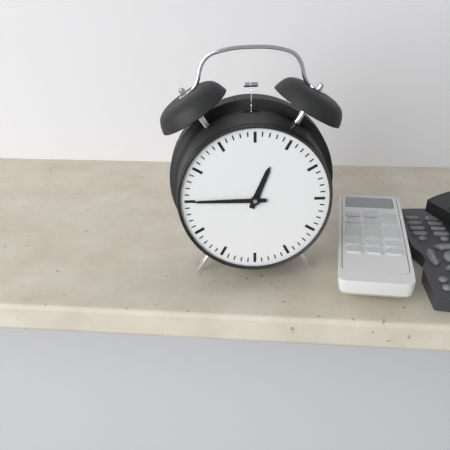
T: 12 h 45 min
